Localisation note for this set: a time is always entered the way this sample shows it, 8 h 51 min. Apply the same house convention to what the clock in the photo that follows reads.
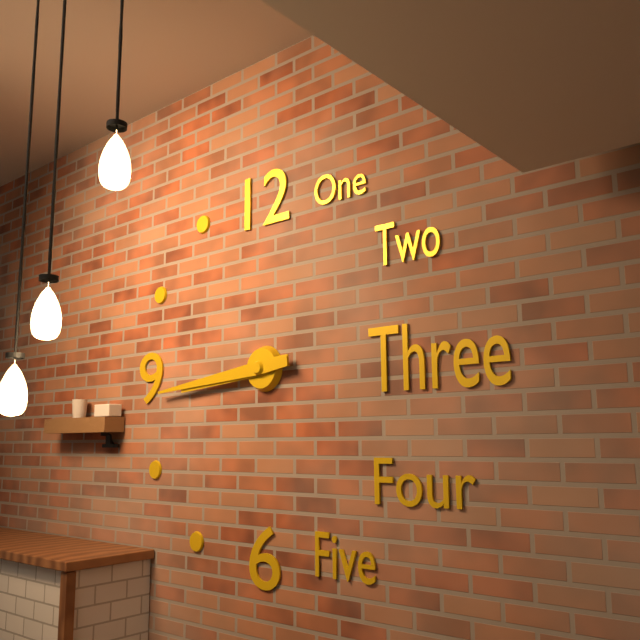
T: 8 h 44 min
